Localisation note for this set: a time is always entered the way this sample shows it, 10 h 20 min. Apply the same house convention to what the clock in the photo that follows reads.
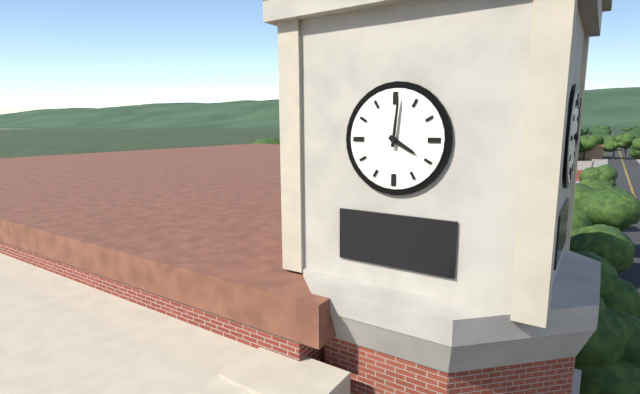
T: 4 h 01 min
